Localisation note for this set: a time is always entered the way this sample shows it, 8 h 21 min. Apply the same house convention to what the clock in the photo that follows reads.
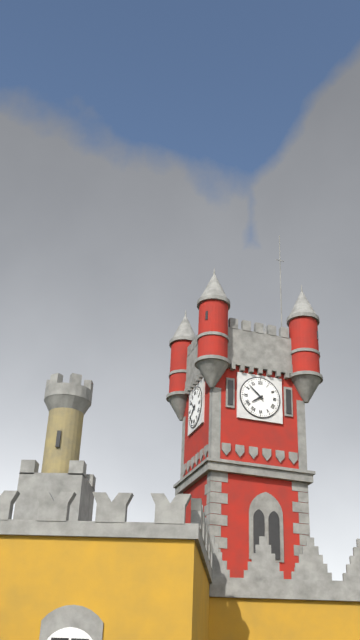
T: 7 h 52 min
